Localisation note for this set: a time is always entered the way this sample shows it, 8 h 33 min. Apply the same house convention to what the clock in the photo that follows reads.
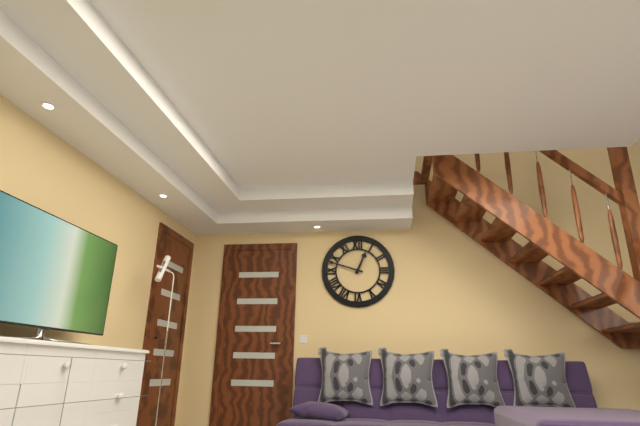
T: 12 h 48 min
